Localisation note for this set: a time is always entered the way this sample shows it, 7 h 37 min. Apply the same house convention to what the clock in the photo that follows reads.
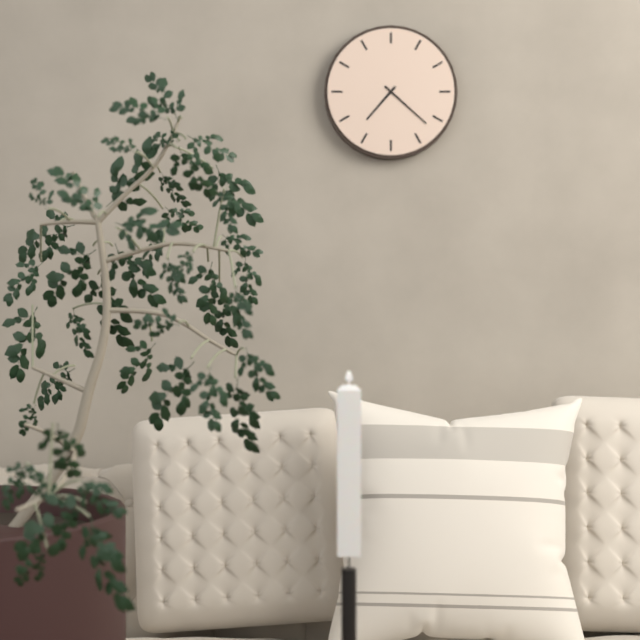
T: 7 h 22 min
